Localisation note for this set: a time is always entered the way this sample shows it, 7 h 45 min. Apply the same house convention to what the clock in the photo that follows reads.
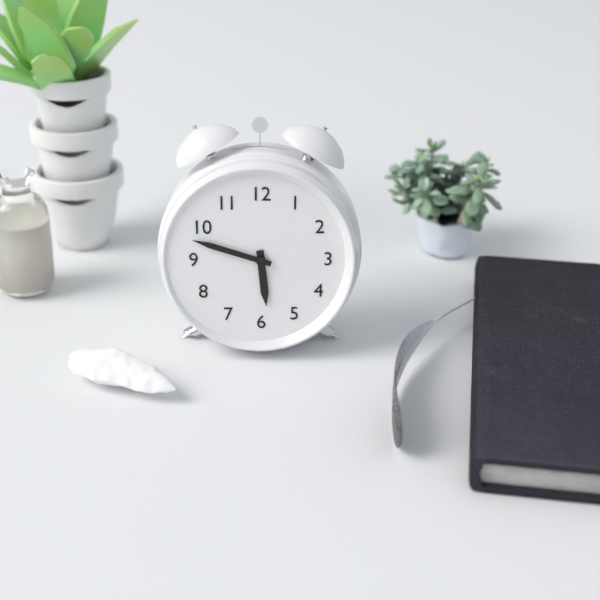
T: 5 h 48 min
